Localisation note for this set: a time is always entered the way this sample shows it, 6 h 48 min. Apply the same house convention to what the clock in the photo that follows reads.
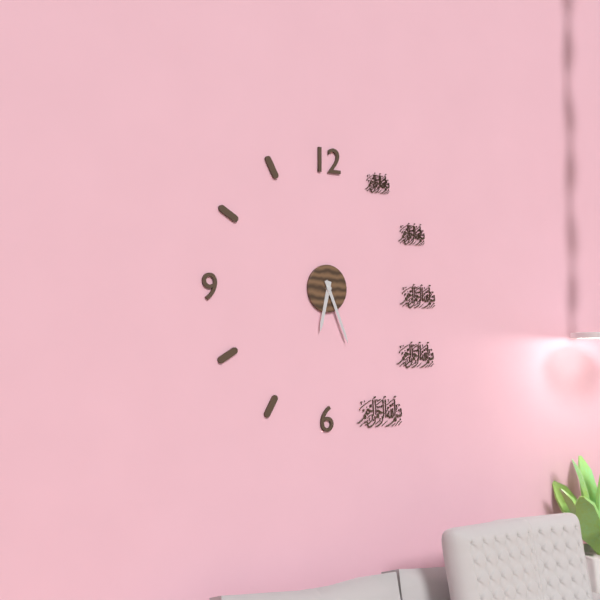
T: 6 h 26 min
